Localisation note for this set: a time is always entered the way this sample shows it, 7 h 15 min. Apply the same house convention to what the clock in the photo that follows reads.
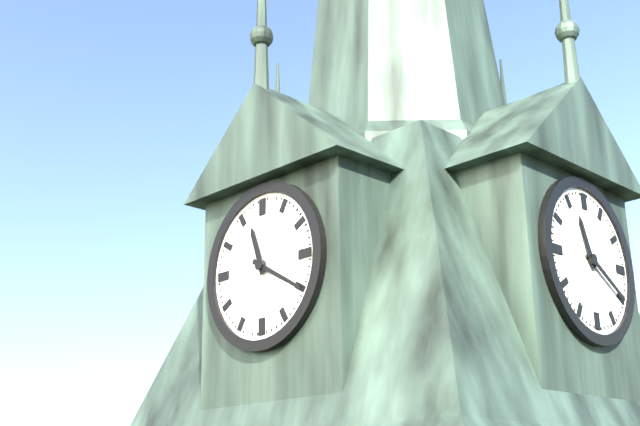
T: 11 h 20 min
